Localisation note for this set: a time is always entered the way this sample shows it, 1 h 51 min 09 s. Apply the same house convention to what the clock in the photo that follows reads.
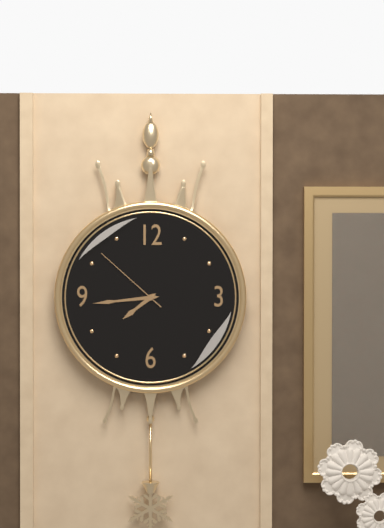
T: 7 h 44 min 52 s
